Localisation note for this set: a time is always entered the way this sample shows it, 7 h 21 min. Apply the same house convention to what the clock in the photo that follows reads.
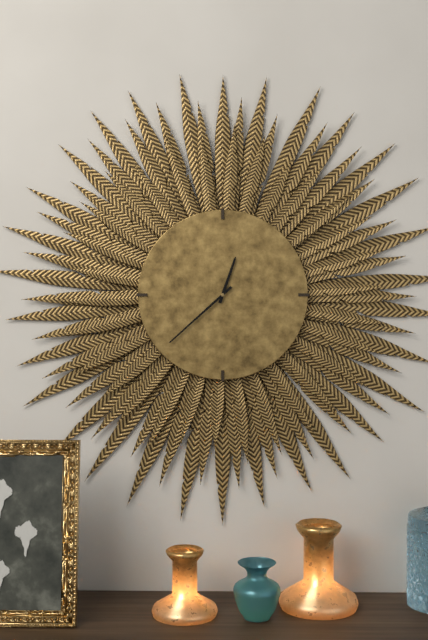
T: 12 h 38 min
